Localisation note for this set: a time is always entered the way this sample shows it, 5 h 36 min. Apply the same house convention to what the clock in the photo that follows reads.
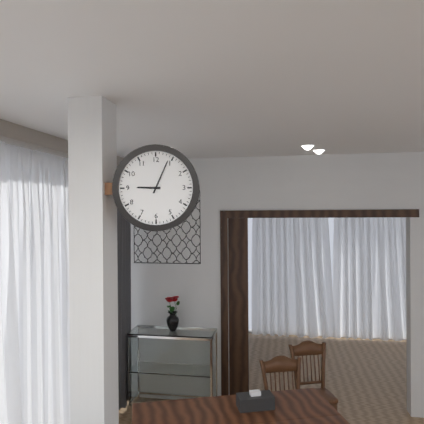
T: 9 h 04 min
